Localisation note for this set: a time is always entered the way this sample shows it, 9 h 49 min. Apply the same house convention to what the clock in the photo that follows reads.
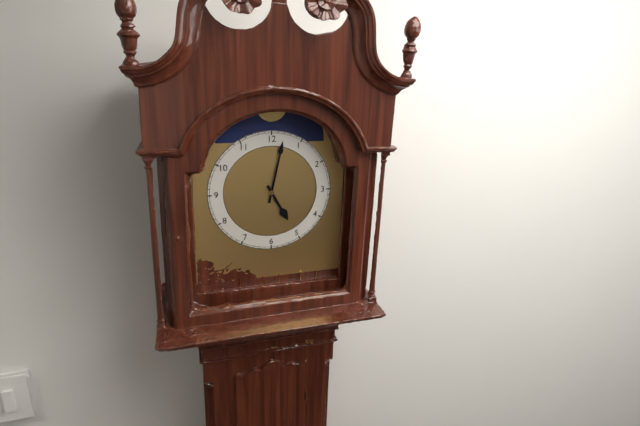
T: 5 h 02 min
